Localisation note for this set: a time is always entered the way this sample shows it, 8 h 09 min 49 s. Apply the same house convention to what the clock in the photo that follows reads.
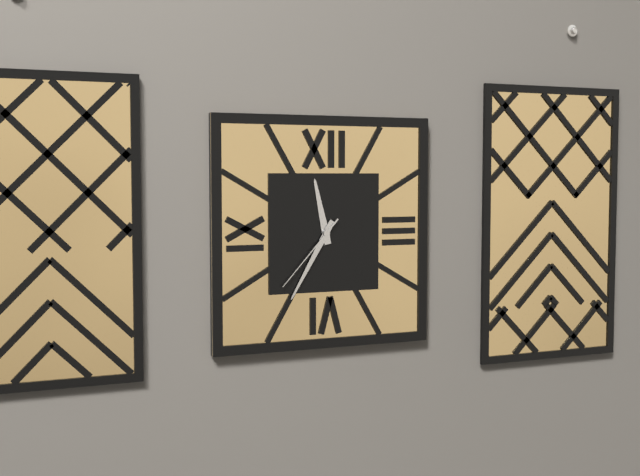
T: 11 h 35 min 37 s
